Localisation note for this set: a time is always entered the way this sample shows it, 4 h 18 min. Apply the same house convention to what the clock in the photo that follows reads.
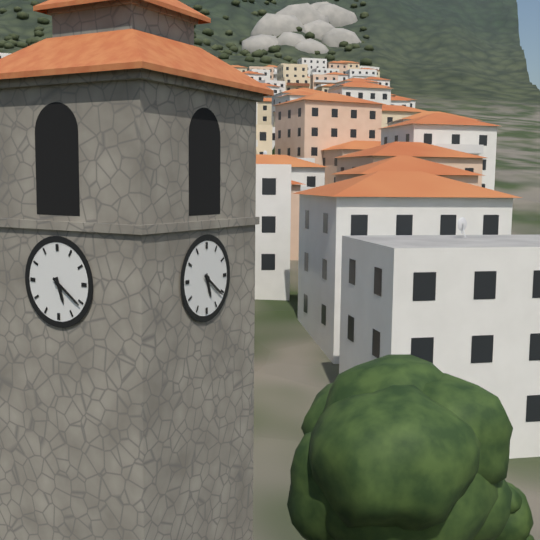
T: 5 h 21 min
